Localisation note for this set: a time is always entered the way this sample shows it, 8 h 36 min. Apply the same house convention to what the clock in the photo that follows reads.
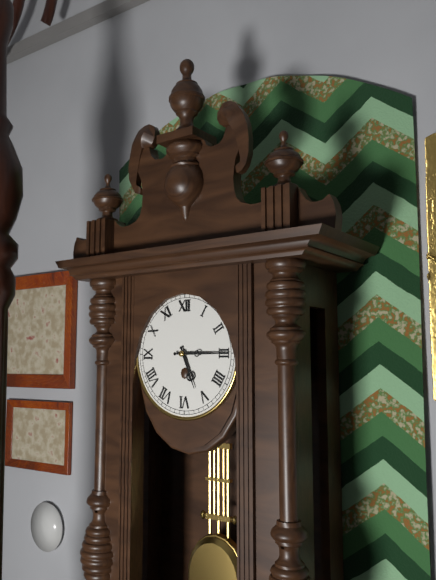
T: 5 h 15 min
